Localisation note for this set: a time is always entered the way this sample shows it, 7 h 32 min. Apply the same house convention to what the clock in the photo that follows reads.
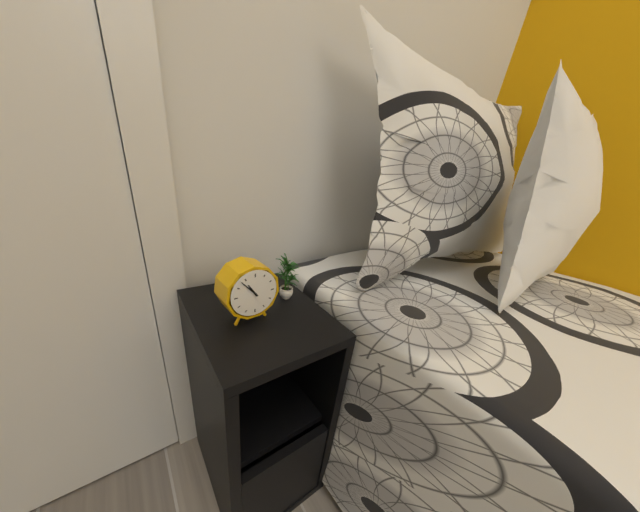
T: 10 h 53 min
